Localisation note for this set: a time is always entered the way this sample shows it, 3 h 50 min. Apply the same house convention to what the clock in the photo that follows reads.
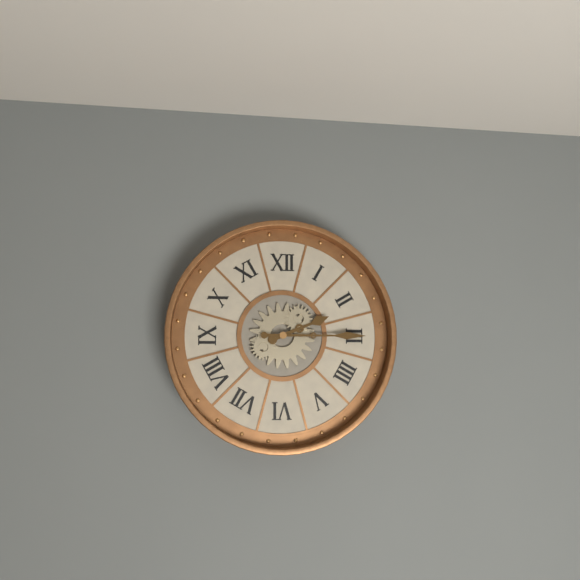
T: 2 h 15 min
